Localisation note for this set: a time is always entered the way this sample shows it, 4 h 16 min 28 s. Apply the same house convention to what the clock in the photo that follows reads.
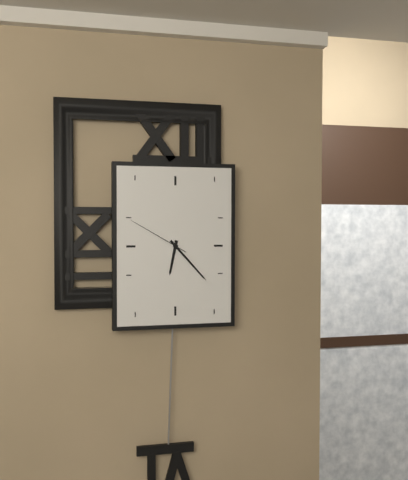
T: 6 h 23 min 50 s
